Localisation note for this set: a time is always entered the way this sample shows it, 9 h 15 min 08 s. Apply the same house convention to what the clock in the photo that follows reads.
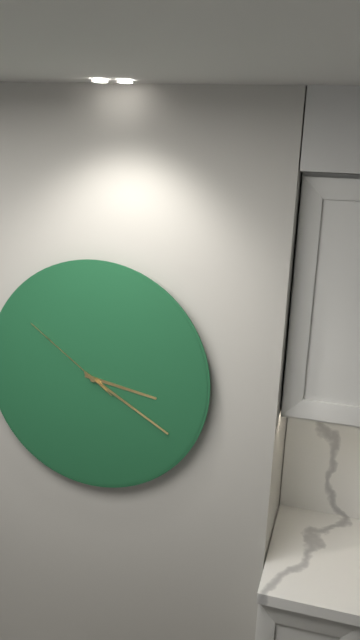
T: 3 h 20 min 51 s
